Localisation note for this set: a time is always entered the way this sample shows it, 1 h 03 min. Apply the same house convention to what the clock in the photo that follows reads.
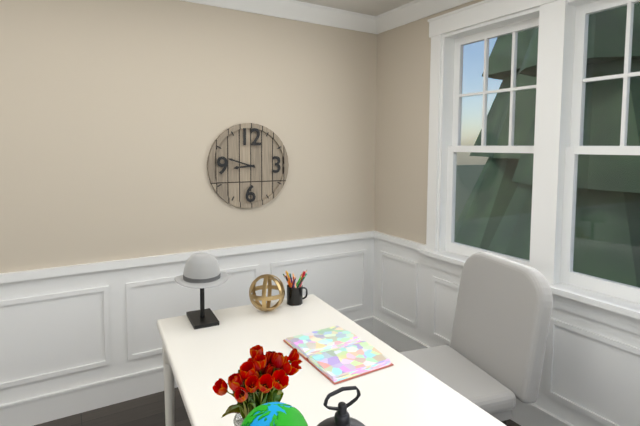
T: 8 h 48 min
